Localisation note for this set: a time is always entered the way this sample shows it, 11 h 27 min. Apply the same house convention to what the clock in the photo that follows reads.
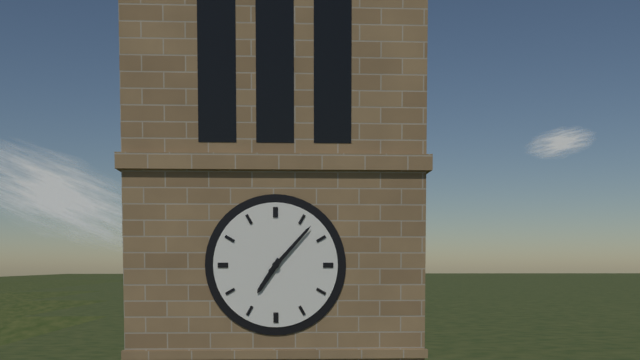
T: 7 h 07 min
